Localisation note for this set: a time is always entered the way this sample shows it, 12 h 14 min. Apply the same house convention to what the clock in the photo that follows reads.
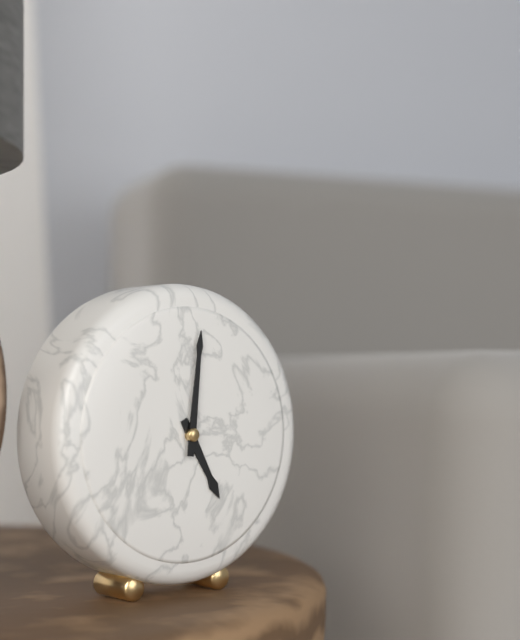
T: 5 h 01 min
